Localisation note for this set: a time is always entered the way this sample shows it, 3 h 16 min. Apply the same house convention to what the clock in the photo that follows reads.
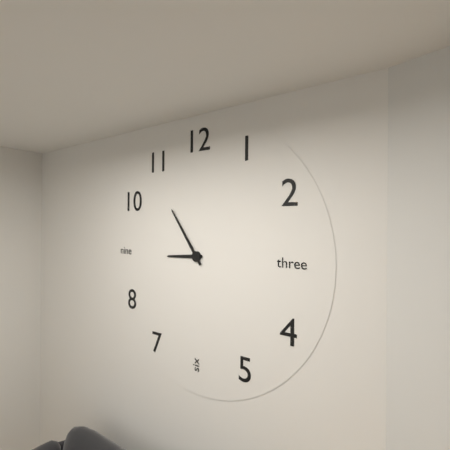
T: 8 h 54 min
